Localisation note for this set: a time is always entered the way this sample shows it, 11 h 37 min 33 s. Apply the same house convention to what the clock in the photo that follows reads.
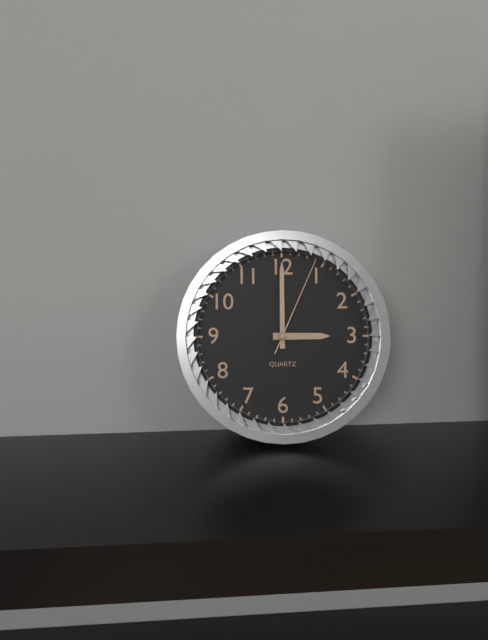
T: 3 h 00 min 04 s
